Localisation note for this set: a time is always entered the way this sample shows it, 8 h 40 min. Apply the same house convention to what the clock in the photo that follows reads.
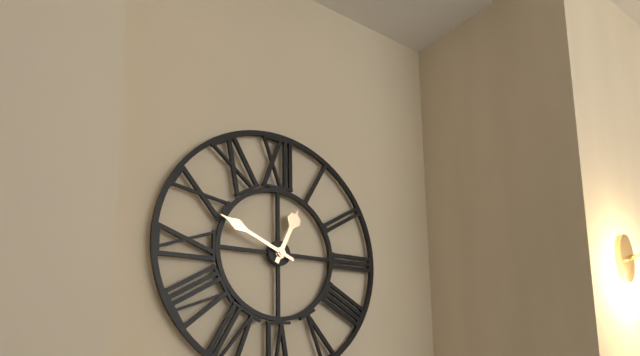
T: 12 h 49 min
